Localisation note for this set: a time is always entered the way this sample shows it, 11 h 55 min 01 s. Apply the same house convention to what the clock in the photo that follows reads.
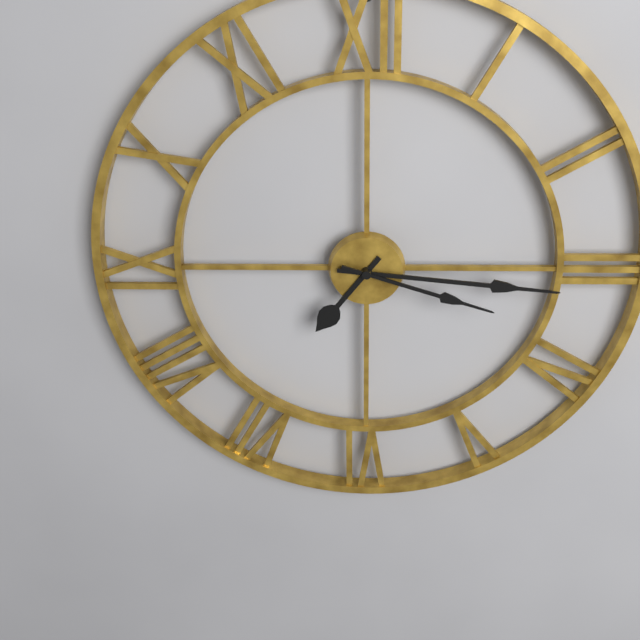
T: 7 h 16 min 18 s
